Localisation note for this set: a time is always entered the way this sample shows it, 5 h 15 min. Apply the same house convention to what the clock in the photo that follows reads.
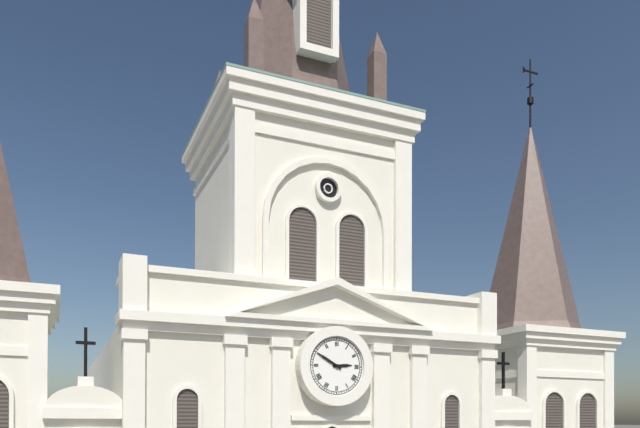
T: 2 h 50 min
